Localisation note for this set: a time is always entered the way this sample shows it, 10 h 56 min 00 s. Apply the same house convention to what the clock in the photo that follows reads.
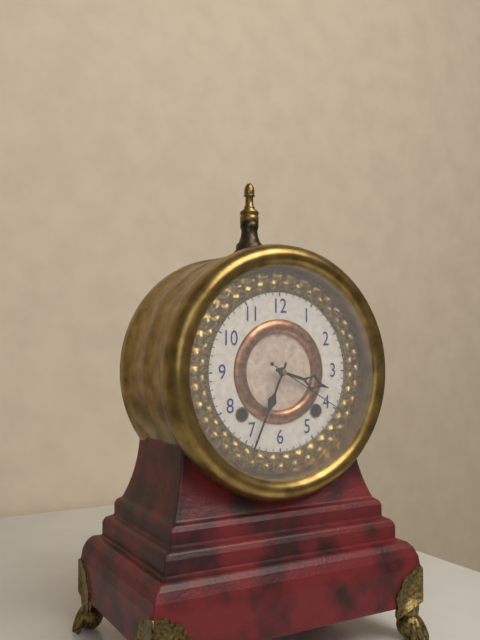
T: 3 h 34 min 20 s
